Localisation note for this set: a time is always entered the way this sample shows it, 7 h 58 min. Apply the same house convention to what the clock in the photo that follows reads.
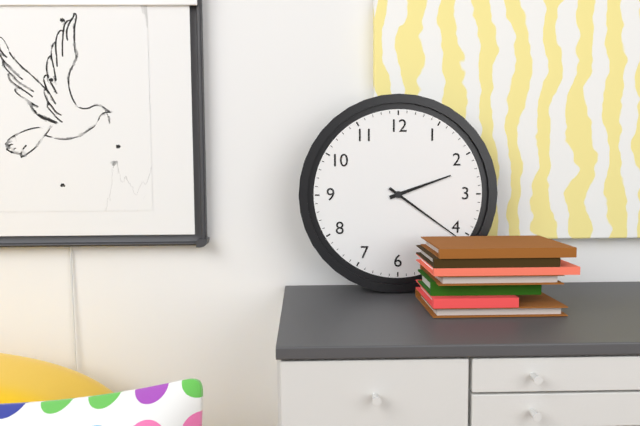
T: 2 h 21 min
